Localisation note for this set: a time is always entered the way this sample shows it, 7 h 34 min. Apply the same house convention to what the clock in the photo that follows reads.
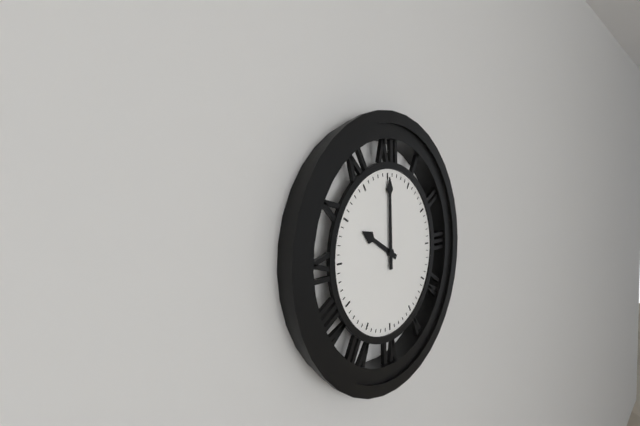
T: 10 h 00 min
